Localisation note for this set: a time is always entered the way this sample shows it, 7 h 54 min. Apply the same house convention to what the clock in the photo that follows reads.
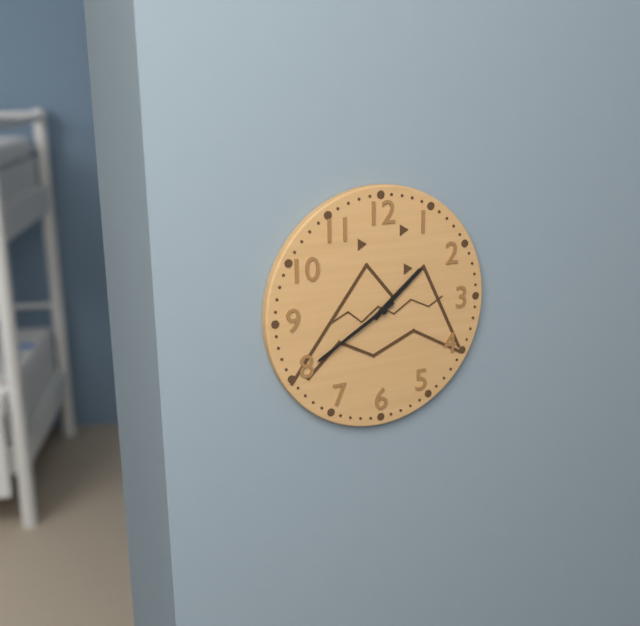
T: 1 h 40 min
